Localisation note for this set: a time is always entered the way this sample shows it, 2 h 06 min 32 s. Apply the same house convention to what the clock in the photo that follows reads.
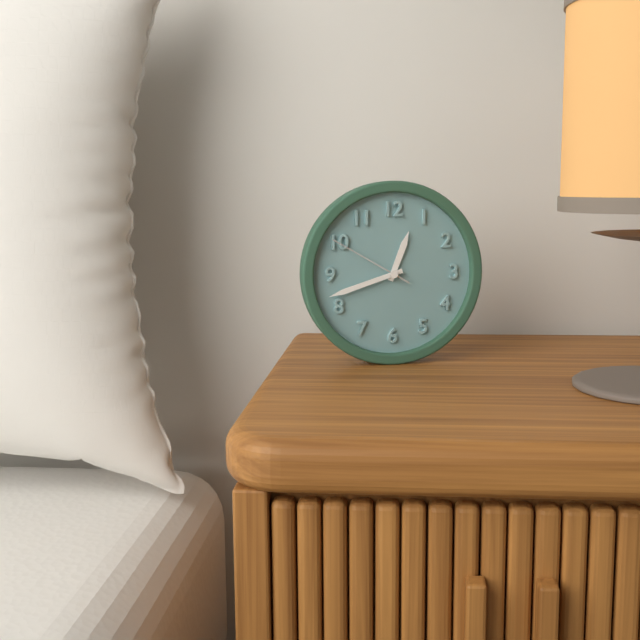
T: 12 h 42 min 50 s
